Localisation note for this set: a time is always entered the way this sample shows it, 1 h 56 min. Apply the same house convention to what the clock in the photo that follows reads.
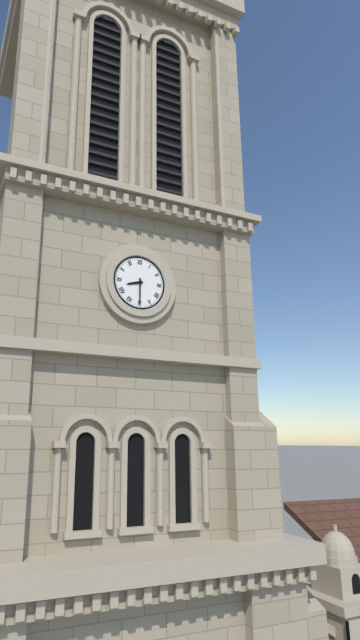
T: 8 h 30 min
